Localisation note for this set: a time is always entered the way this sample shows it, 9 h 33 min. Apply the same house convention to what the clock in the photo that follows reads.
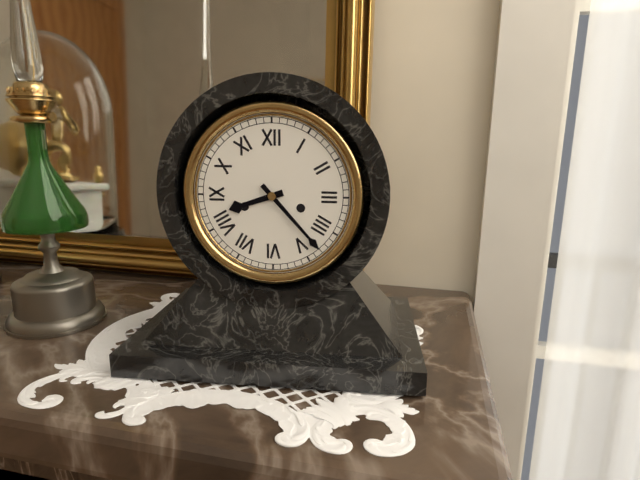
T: 8 h 23 min
